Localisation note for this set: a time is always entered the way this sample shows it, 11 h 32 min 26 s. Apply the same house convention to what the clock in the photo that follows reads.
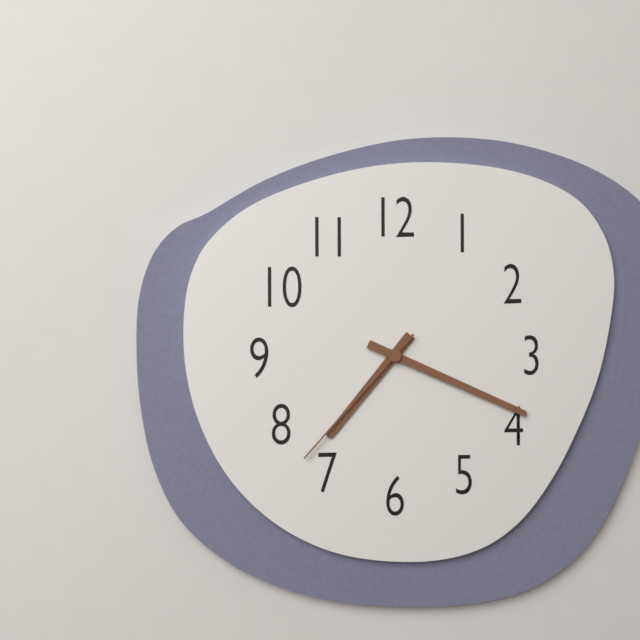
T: 7 h 19 min 37 s
